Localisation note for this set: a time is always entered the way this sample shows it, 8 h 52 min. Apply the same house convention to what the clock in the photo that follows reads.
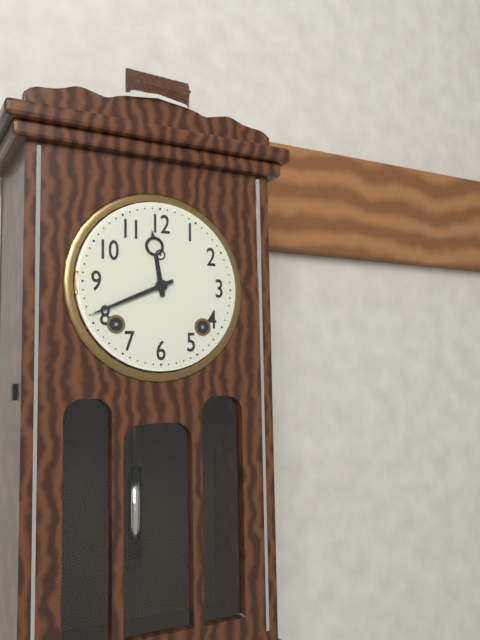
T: 11 h 41 min
